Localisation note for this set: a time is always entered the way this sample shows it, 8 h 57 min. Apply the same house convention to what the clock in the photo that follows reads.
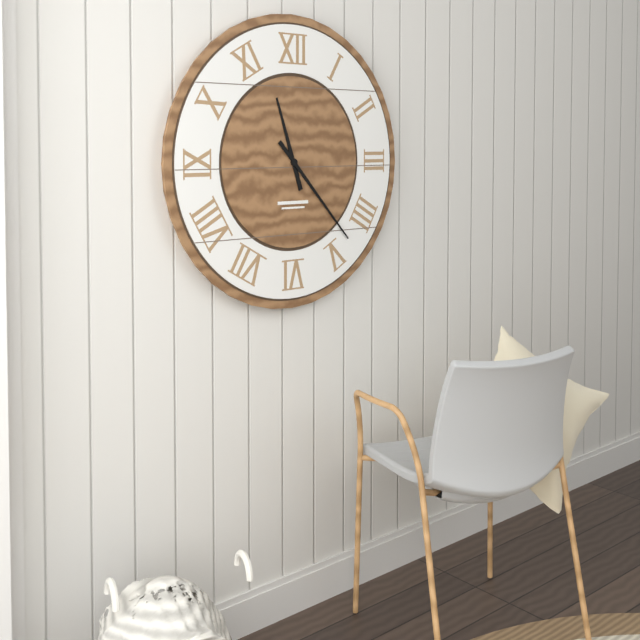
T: 11 h 23 min
